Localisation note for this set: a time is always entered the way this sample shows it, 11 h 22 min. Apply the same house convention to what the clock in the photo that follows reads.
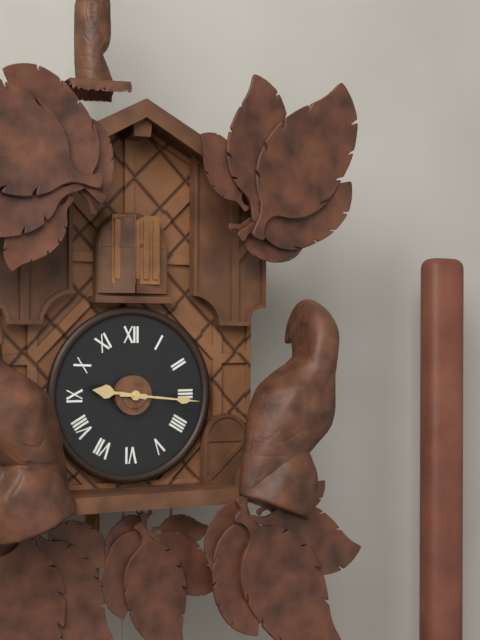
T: 9 h 16 min
